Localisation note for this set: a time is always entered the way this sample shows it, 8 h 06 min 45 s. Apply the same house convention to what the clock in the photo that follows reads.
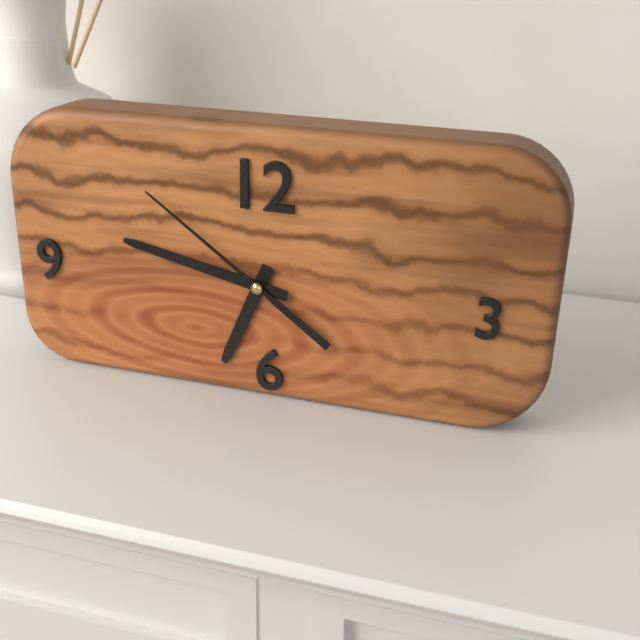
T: 6 h 47 min 51 s
